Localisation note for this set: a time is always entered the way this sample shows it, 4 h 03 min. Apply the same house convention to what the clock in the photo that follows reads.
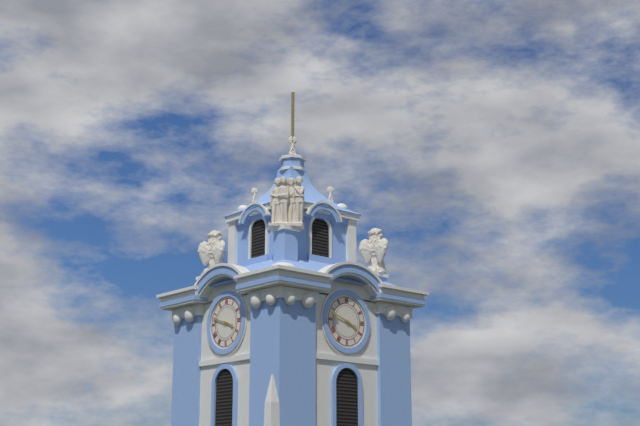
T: 3 h 48 min
